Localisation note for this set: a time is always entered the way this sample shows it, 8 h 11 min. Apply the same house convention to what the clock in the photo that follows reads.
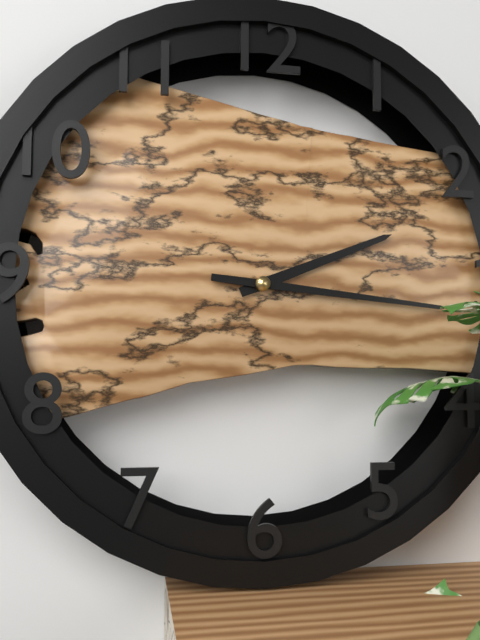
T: 2 h 16 min
